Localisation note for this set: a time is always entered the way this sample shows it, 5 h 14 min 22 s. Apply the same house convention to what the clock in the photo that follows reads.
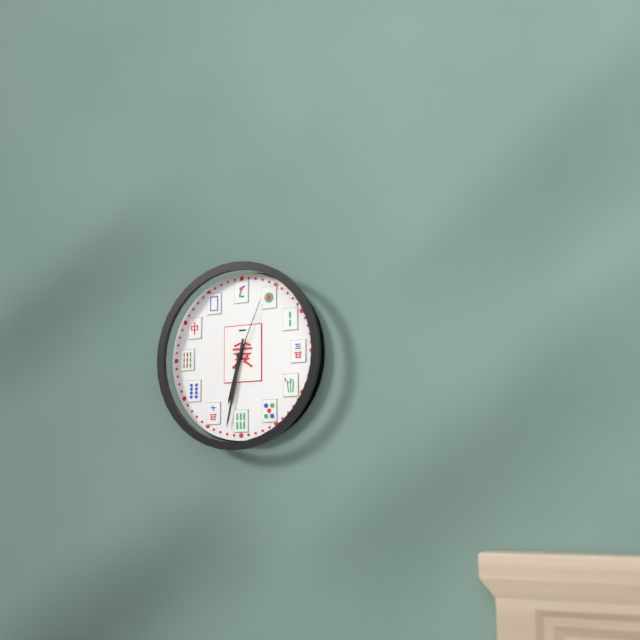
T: 6 h 32 min 04 s
